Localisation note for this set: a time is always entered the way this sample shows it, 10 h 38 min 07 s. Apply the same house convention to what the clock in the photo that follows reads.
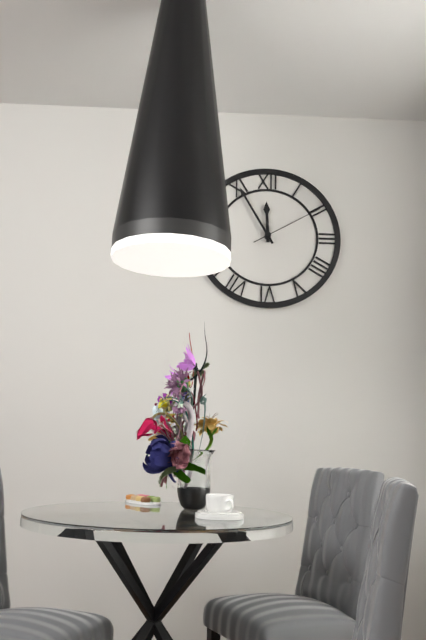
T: 11 h 55 min 10 s
